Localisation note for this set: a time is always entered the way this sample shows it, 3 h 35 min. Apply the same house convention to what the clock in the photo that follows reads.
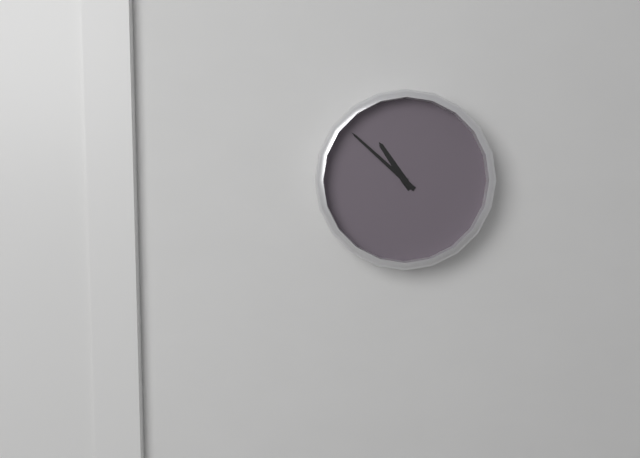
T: 10 h 52 min
